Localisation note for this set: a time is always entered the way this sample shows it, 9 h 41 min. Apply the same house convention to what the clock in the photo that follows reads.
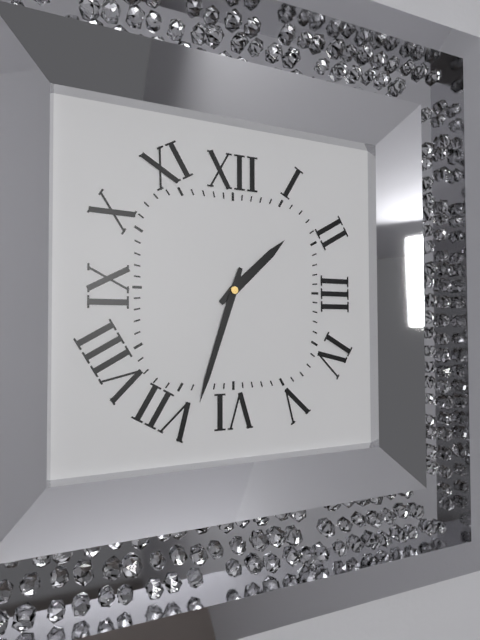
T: 1 h 33 min
